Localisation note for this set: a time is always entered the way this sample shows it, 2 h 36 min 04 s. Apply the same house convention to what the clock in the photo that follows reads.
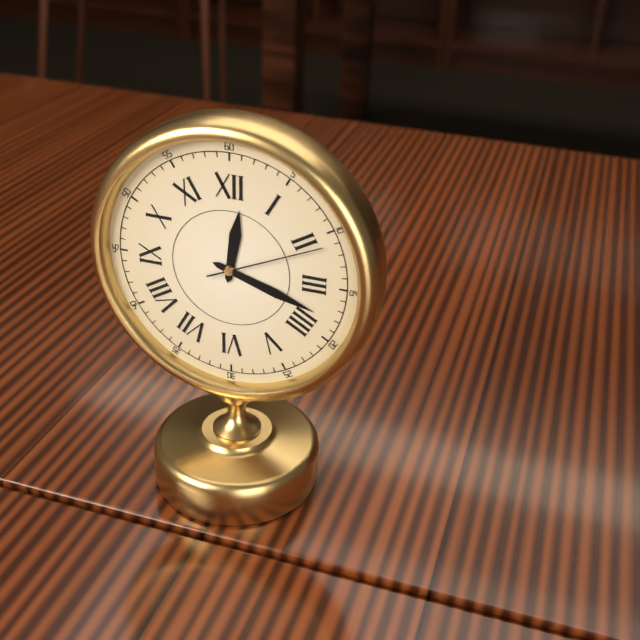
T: 12 h 18 min 11 s
